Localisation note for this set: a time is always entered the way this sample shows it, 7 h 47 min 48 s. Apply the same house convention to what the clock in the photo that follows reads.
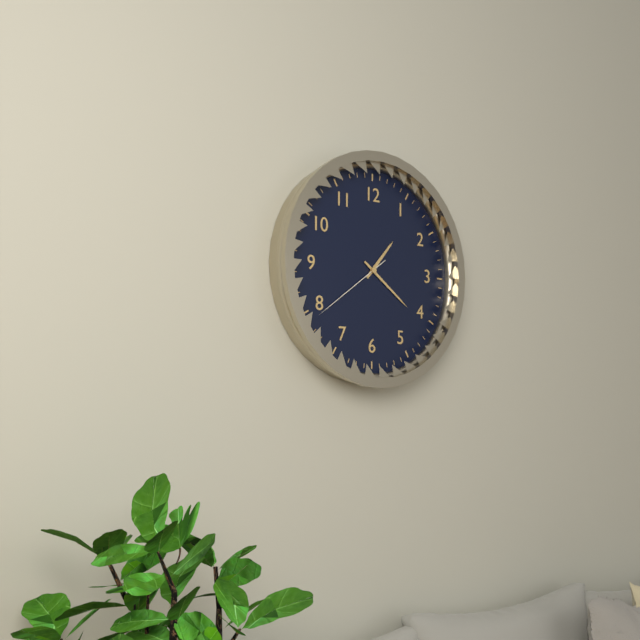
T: 1 h 21 min 39 s
